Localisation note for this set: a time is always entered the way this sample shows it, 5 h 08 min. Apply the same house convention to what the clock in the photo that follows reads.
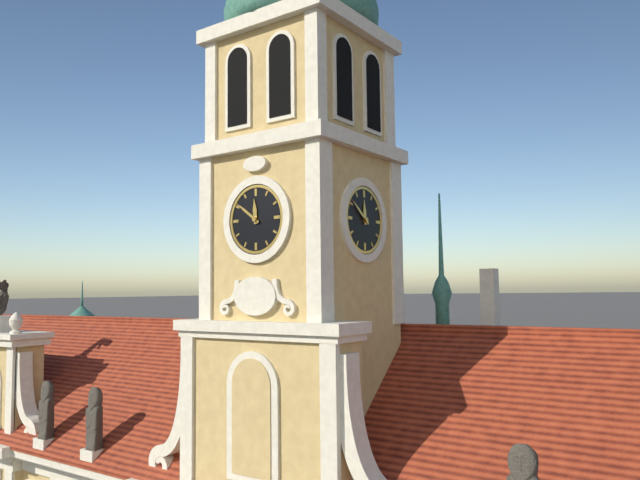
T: 11 h 51 min
